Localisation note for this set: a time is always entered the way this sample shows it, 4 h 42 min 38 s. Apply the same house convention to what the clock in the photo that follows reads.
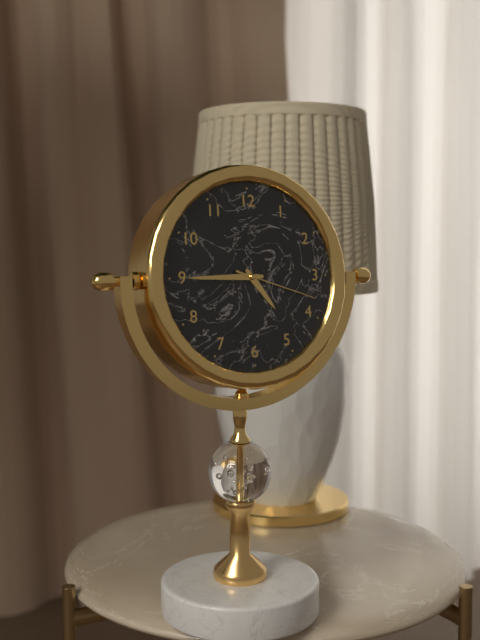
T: 4 h 45 min 18 s
